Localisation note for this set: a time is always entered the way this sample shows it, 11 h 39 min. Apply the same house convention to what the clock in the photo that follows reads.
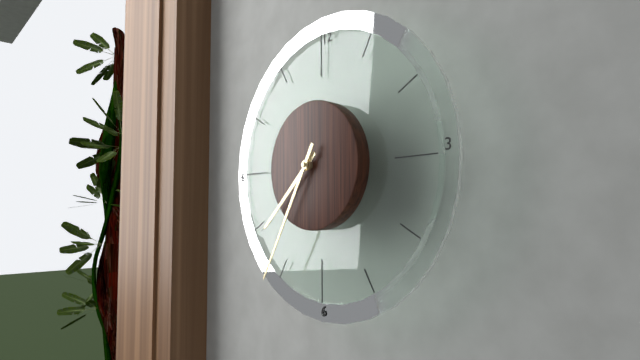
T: 7 h 35 min
